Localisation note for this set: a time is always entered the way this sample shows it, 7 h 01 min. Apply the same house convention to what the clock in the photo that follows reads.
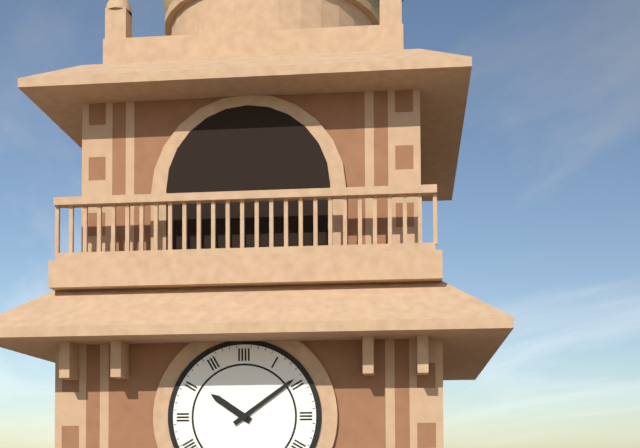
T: 10 h 09 min
